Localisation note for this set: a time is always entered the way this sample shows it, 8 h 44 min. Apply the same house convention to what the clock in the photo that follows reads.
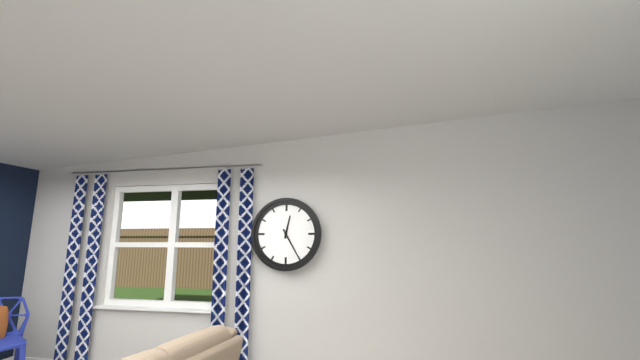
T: 12 h 25 min
